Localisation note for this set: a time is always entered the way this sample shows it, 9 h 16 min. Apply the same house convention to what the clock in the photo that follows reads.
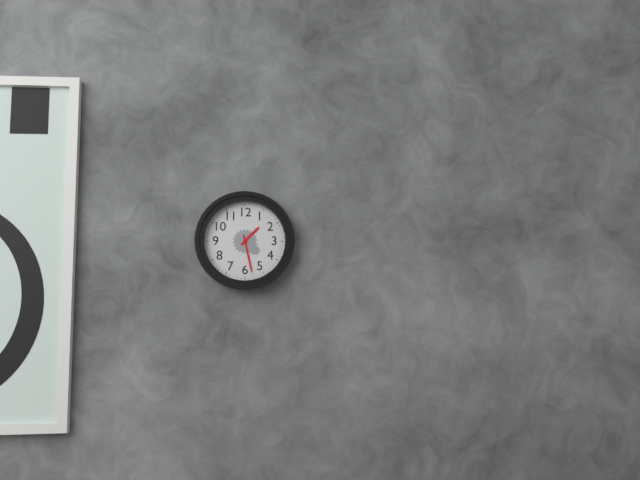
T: 1 h 28 min
